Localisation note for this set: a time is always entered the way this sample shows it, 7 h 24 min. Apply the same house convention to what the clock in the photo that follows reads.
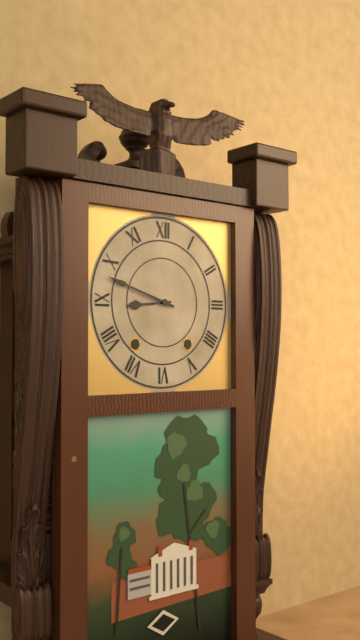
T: 8 h 48 min
